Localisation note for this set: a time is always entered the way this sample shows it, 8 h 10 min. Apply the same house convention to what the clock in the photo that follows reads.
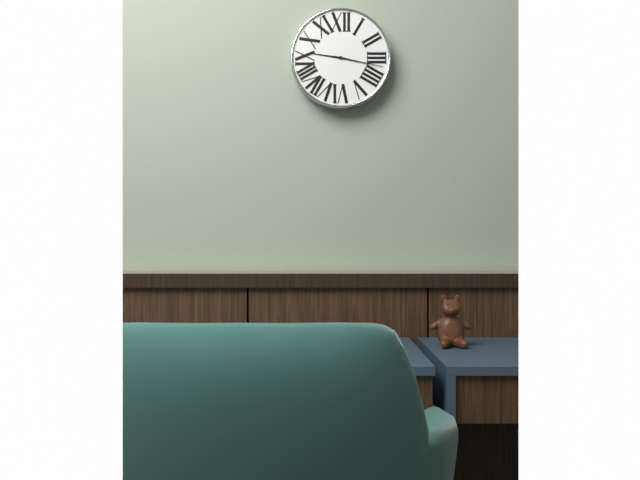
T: 9 h 17 min
